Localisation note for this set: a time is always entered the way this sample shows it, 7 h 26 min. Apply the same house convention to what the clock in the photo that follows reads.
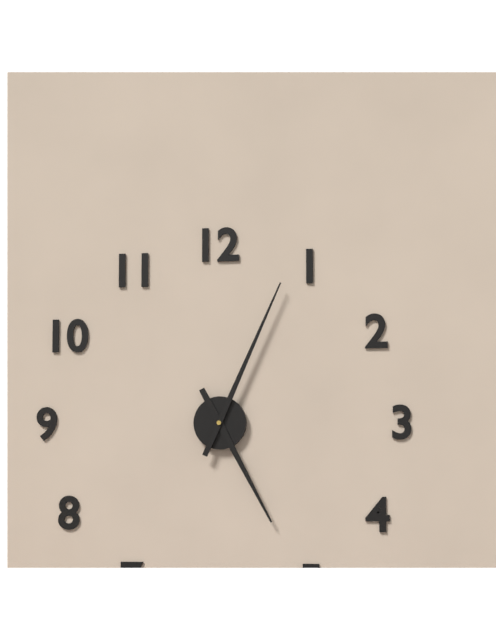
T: 5 h 04 min
